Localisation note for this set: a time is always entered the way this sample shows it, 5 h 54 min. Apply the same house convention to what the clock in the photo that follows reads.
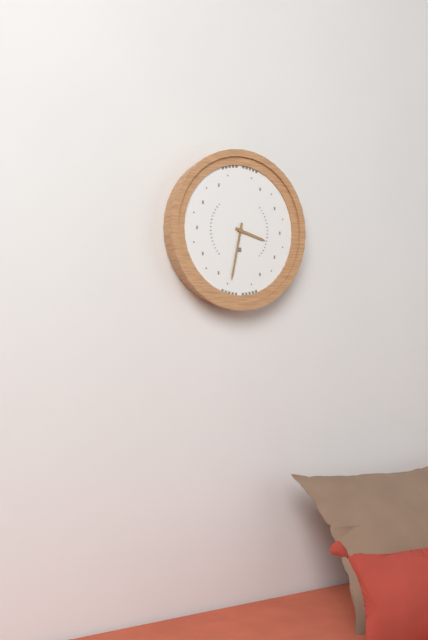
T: 3 h 32 min
